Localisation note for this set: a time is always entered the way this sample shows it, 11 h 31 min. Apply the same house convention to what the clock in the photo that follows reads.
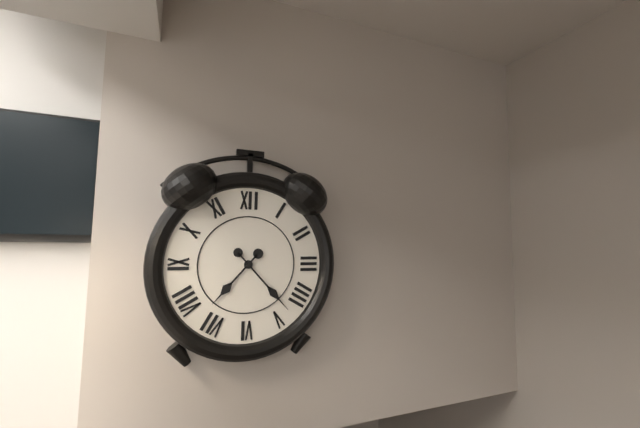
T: 7 h 23 min
